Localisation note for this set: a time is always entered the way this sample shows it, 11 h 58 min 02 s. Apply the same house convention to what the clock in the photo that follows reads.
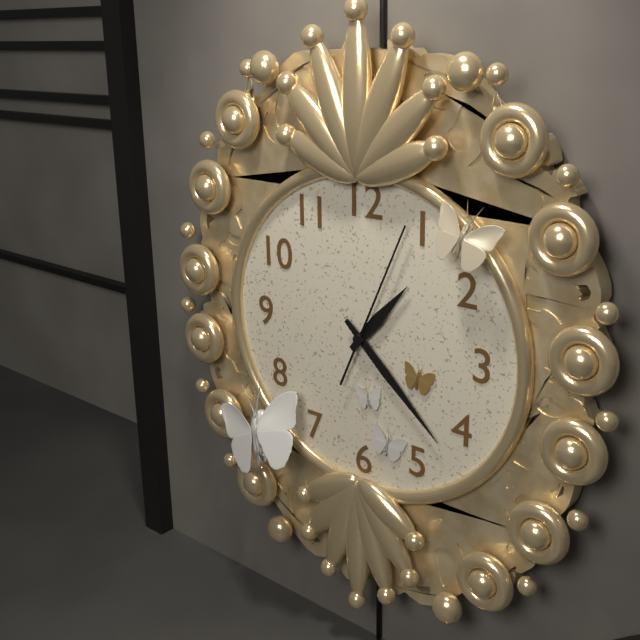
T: 1 h 22 min 04 s
